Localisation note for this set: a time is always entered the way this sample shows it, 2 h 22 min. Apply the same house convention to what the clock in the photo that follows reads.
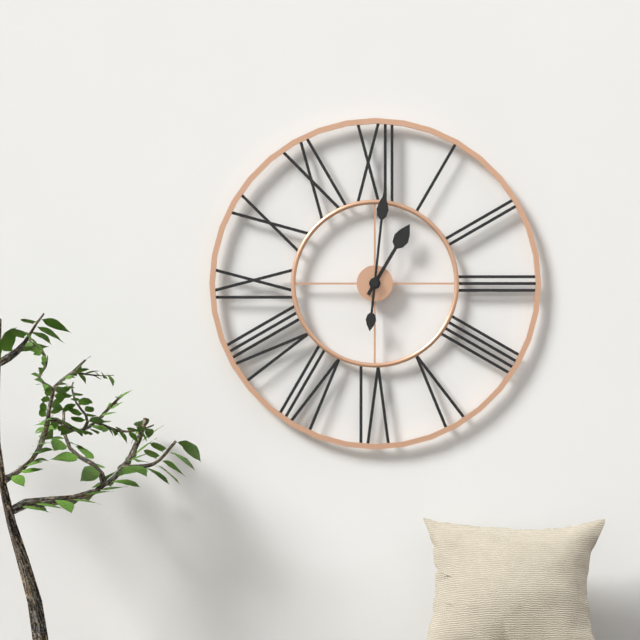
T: 1 h 01 min
